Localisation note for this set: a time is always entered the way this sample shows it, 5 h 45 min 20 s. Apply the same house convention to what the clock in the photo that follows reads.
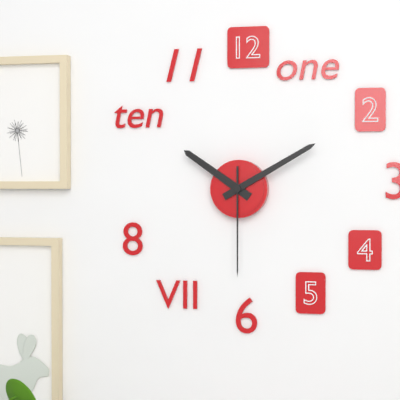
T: 10 h 10 min 30 s
